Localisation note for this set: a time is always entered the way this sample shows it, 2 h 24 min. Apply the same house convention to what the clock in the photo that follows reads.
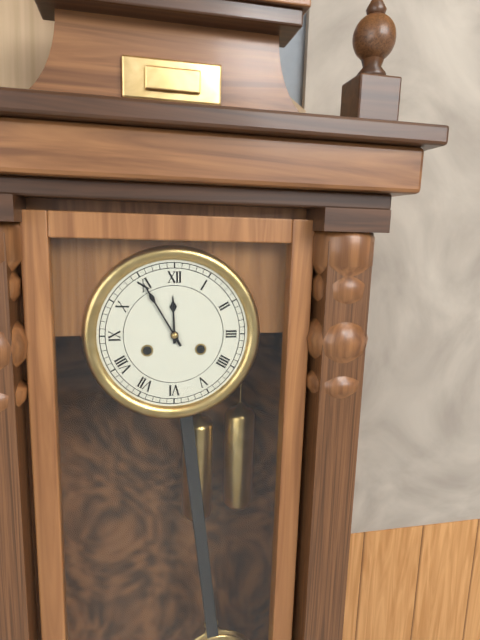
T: 11 h 55 min
